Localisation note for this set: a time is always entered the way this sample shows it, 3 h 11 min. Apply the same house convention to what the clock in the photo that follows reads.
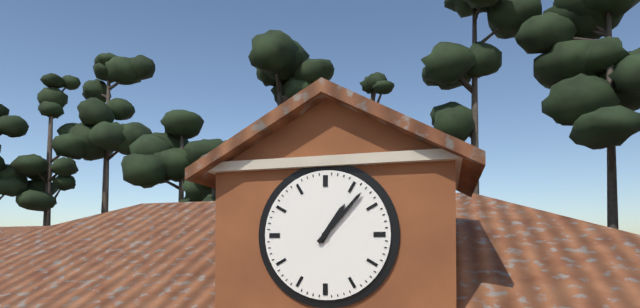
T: 1 h 07 min
